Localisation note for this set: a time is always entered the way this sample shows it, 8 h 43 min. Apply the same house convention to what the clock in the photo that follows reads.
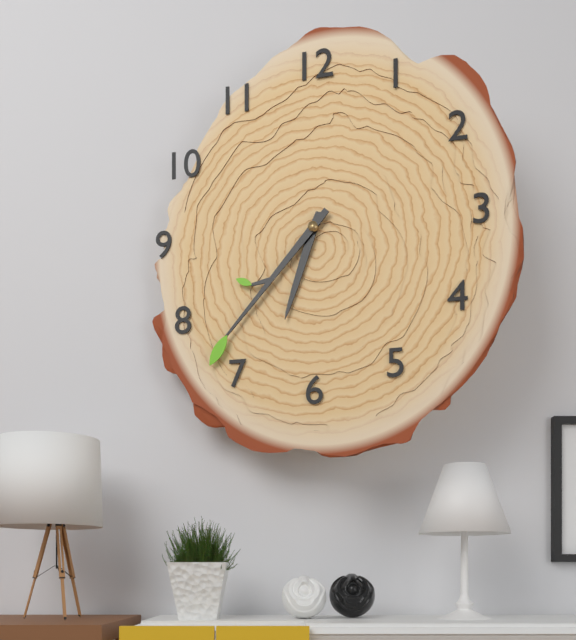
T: 6 h 37 min
